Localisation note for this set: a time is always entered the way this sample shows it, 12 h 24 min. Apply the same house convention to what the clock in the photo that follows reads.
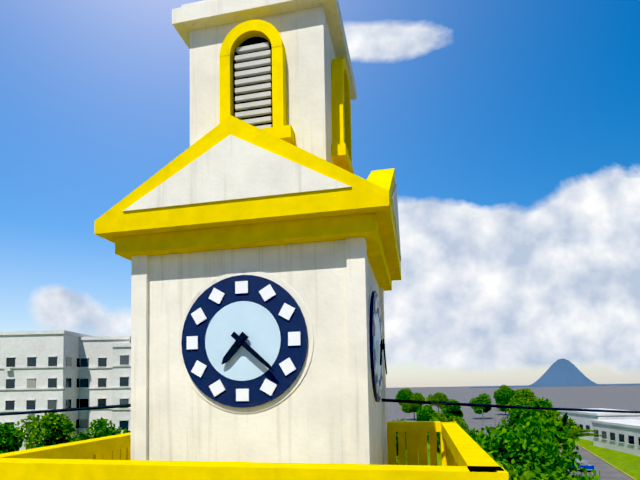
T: 7 h 22 min
